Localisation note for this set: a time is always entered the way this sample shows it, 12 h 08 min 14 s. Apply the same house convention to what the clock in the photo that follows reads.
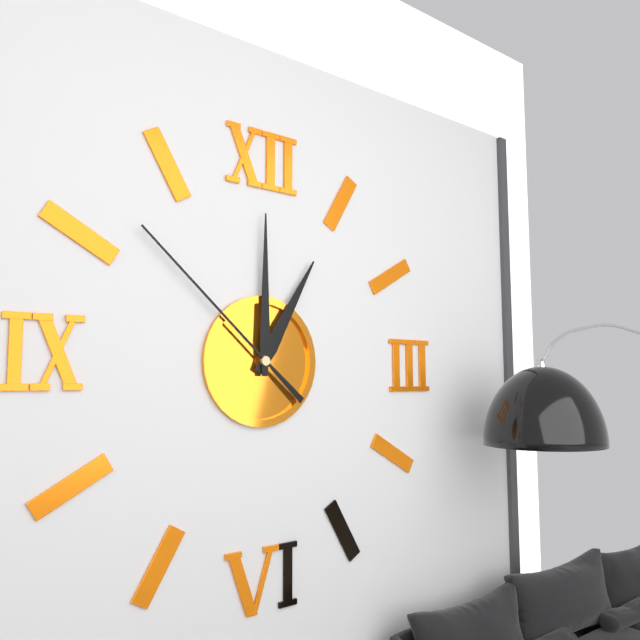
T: 1 h 00 min 52 s
